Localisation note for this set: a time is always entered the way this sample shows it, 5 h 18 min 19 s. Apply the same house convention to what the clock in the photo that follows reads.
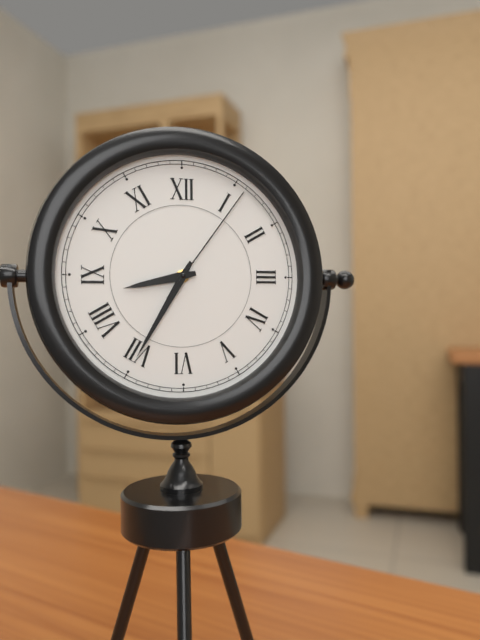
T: 8 h 35 min 06 s
